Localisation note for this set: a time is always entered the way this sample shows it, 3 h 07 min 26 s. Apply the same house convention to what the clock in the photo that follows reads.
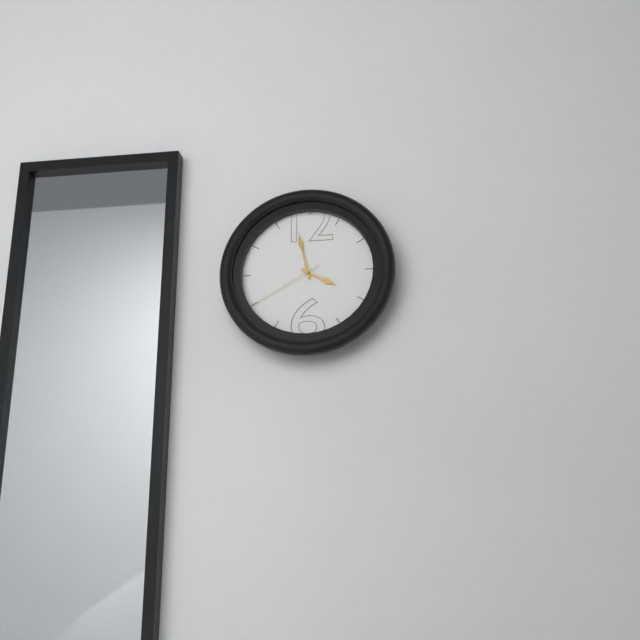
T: 3 h 58 min 40 s
